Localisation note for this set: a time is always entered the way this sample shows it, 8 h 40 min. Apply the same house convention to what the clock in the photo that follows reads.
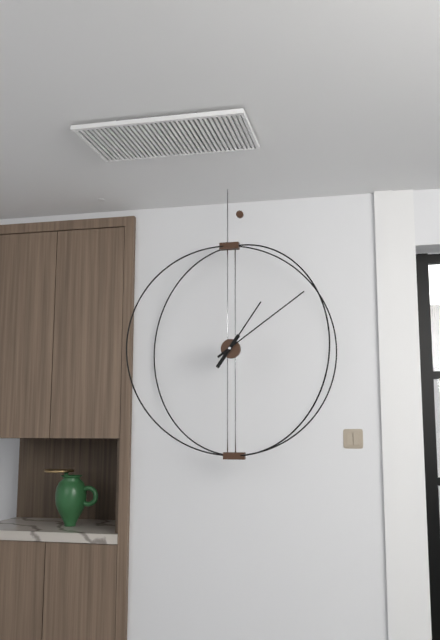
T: 1 h 09 min
